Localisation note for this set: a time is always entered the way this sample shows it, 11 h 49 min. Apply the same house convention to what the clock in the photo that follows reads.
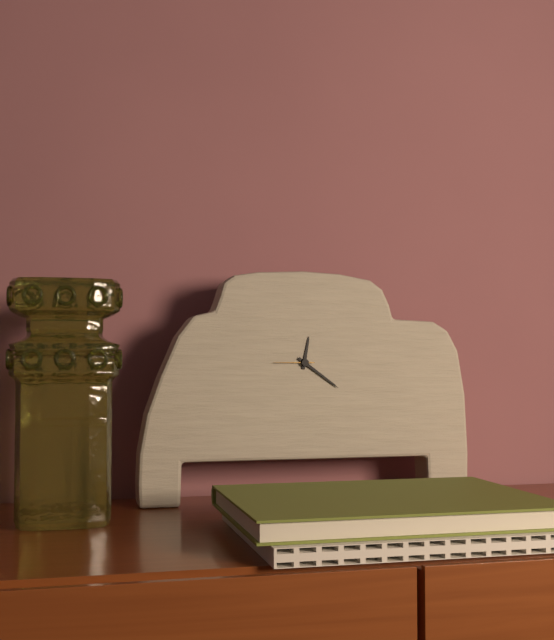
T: 12 h 21 min
